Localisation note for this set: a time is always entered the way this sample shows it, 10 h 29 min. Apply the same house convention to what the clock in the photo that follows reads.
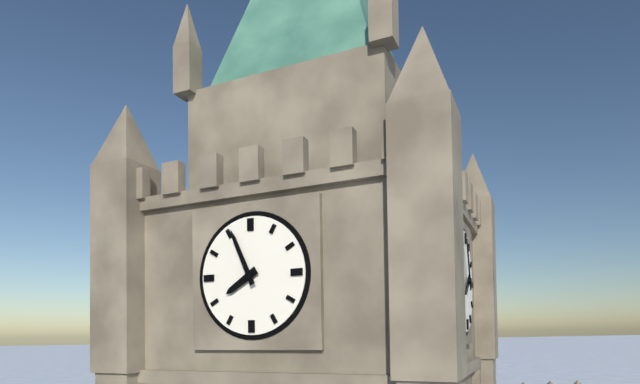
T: 7 h 56 min
